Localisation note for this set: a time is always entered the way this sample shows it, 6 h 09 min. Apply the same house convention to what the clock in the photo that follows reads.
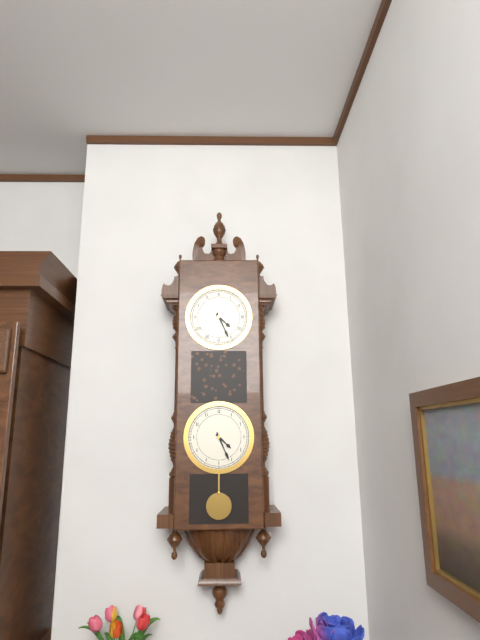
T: 4 h 26 min
